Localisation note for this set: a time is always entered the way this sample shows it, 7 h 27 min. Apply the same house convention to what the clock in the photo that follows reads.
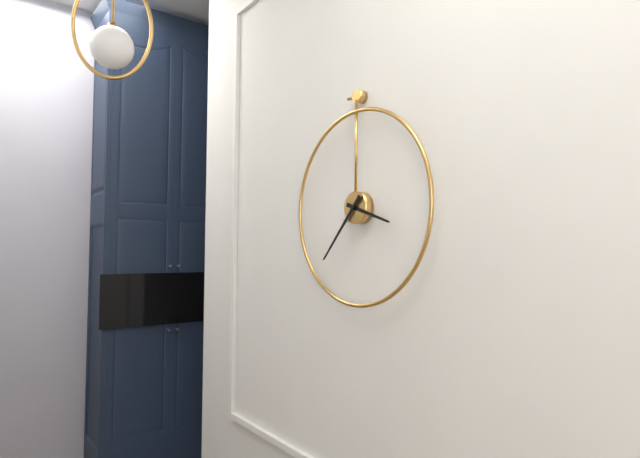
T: 3 h 37 min
